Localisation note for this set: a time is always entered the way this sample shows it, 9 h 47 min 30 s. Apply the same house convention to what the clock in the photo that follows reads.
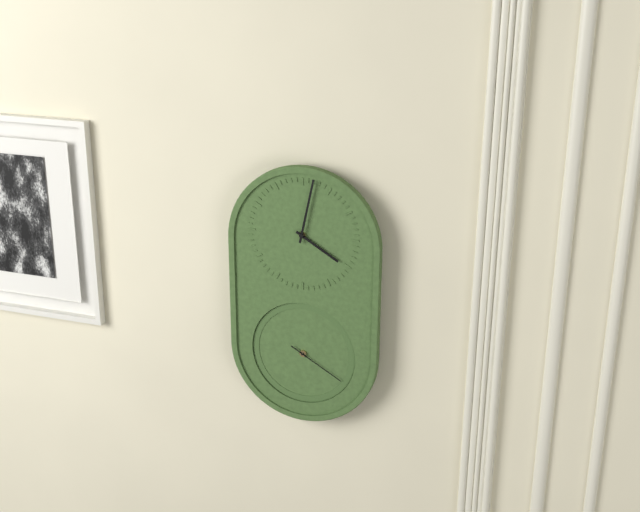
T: 4 h 02 min 20 s
